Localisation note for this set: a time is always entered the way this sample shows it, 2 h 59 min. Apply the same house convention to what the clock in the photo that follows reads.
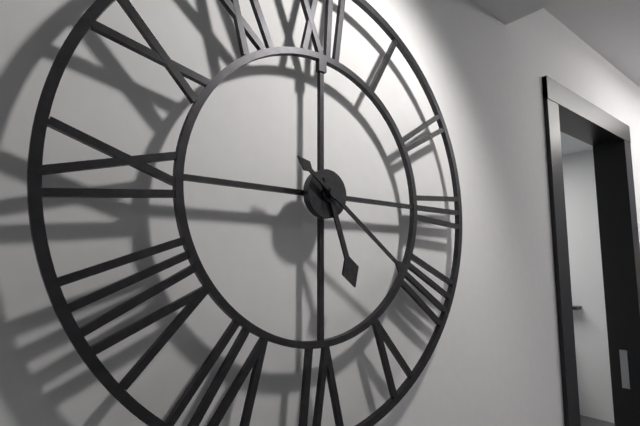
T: 5 h 21 min
